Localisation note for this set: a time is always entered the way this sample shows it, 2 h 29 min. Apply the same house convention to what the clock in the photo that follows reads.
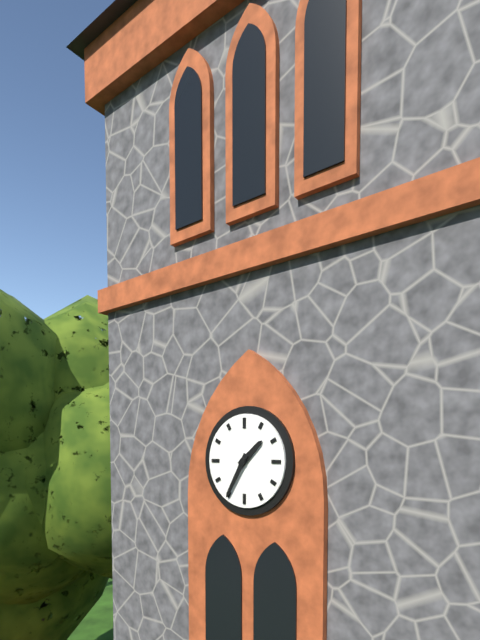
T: 1 h 35 min
